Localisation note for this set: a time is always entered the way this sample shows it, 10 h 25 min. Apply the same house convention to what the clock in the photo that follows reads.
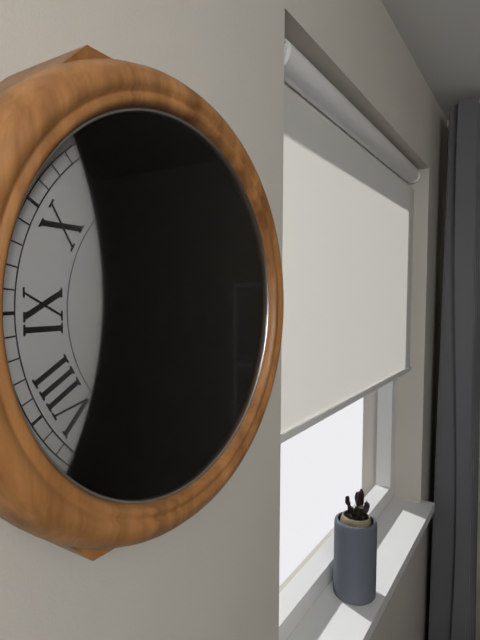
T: 6 h 33 min
